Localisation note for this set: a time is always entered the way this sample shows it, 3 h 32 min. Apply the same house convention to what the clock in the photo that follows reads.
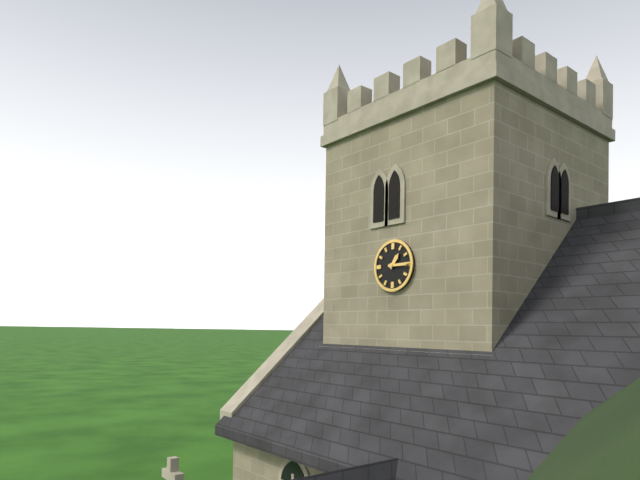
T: 1 h 15 min
